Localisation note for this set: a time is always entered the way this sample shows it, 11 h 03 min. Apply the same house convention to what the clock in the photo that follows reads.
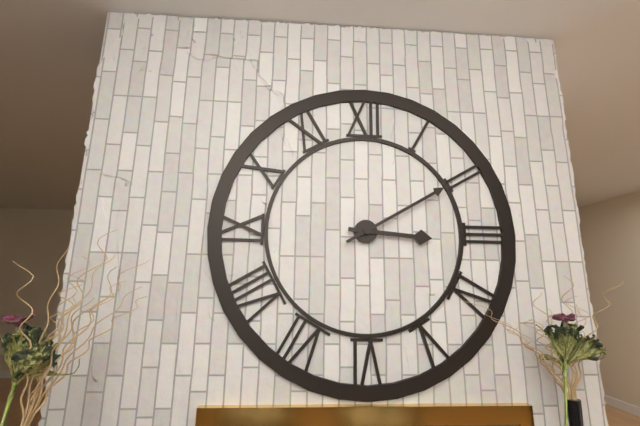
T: 3 h 10 min
